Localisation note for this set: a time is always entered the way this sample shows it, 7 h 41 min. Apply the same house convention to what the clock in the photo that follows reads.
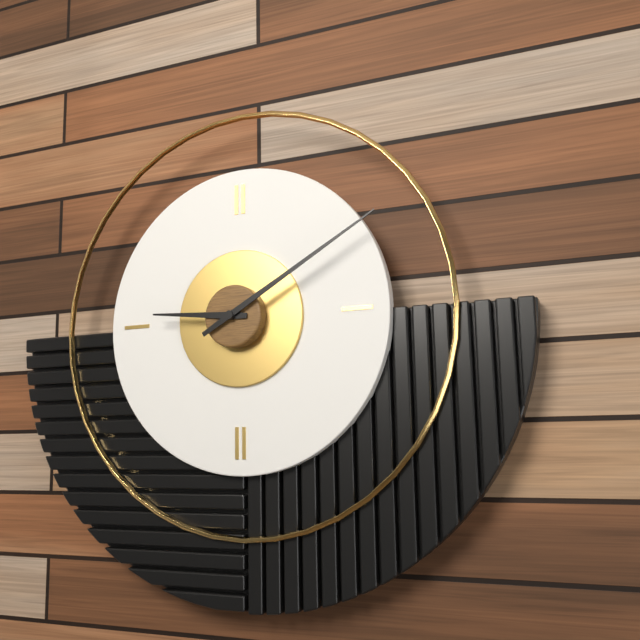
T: 9 h 10 min
